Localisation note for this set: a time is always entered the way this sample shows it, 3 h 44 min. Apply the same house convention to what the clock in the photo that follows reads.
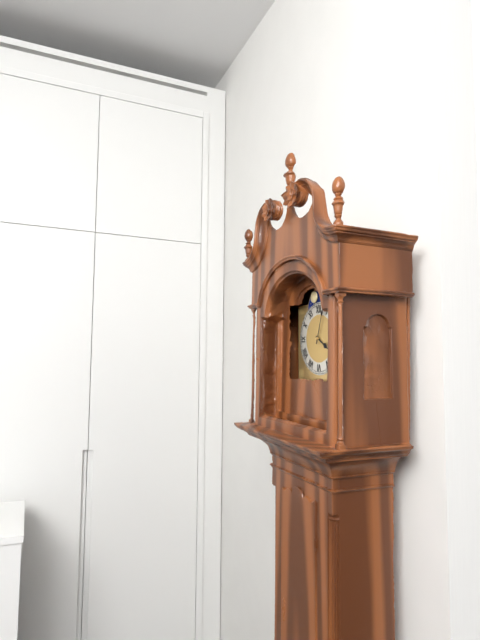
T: 4 h 03 min
